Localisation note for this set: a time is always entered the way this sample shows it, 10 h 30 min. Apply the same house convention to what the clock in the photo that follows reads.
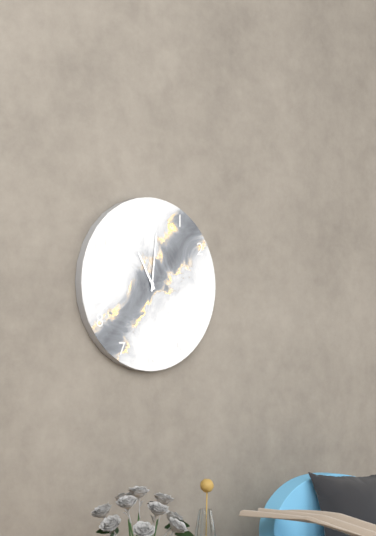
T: 11 h 01 min
